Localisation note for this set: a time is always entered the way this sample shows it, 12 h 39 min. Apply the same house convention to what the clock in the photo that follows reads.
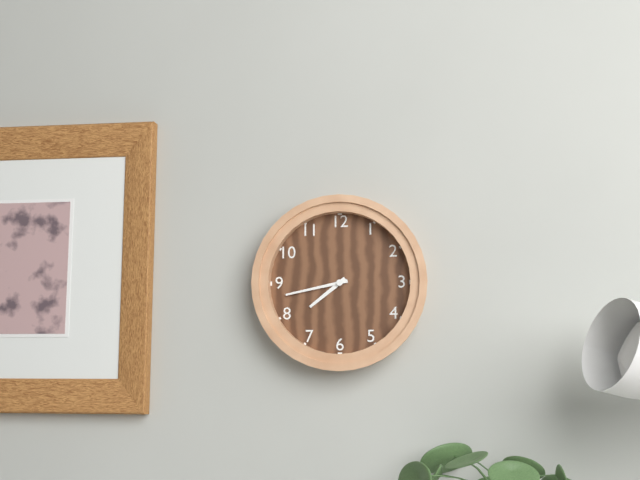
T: 7 h 43 min
